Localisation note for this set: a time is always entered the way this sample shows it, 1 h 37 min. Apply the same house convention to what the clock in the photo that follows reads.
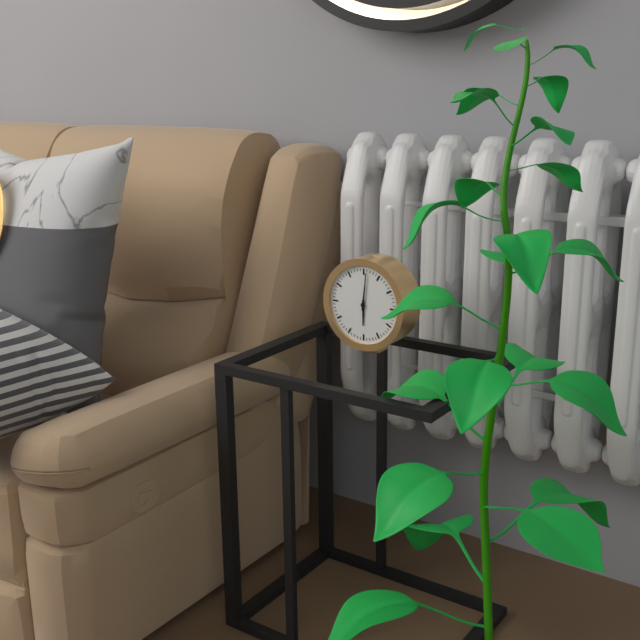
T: 6 h 01 min
